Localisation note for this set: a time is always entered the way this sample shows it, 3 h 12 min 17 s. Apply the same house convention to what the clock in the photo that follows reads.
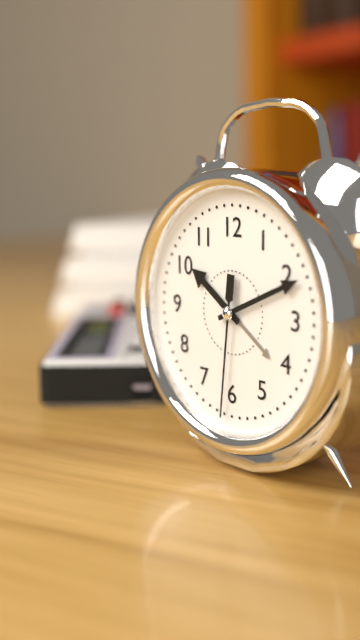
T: 10 h 11 min 31 s
